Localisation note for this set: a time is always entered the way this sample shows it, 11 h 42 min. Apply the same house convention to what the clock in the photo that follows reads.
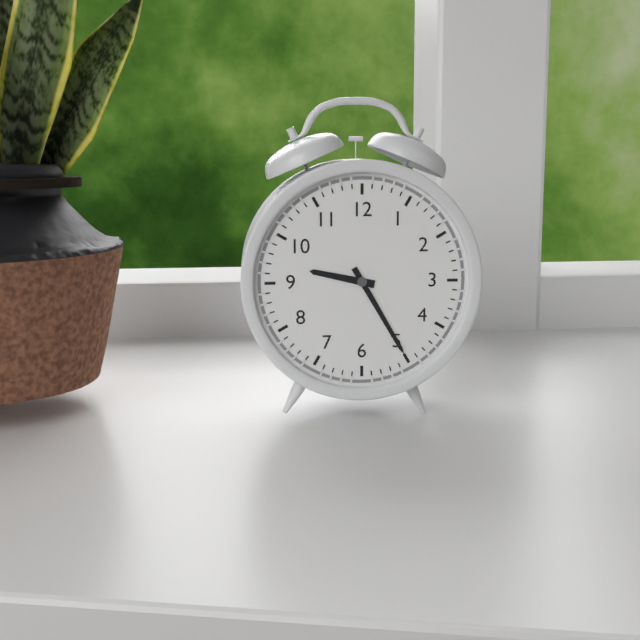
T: 9 h 25 min
